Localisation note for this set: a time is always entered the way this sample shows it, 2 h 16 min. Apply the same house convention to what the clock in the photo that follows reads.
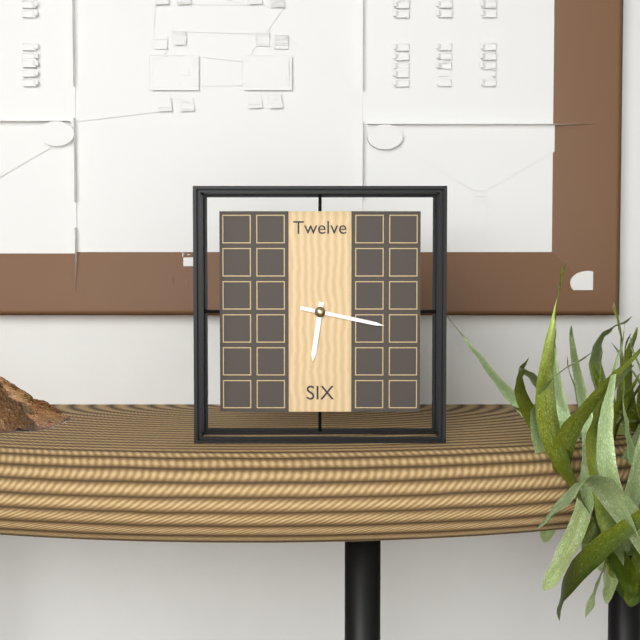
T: 6 h 17 min
